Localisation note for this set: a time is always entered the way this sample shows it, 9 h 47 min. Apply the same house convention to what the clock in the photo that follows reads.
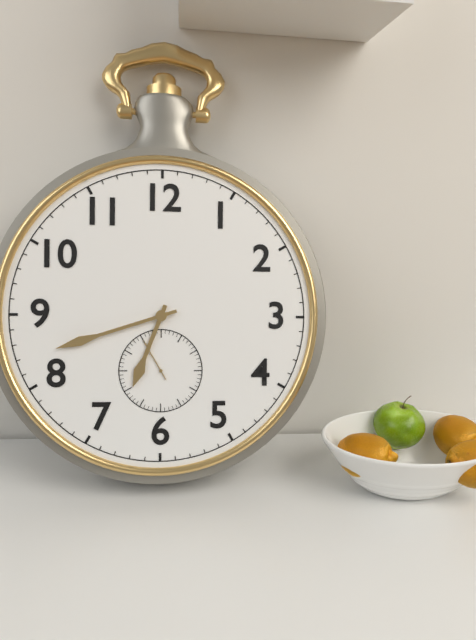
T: 6 h 42 min
